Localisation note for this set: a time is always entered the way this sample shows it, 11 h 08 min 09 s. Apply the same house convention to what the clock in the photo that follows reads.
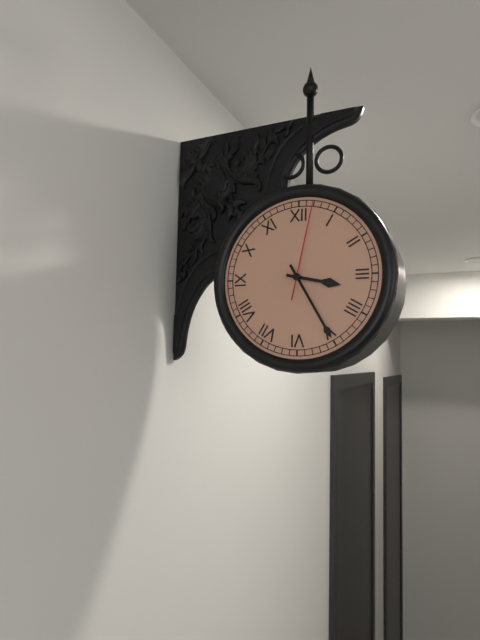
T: 3 h 25 min 02 s
